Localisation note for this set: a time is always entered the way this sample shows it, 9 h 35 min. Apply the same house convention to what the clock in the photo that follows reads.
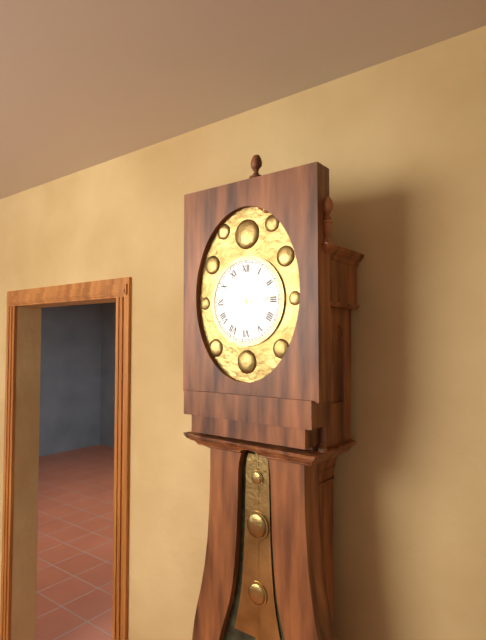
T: 10 h 14 min
